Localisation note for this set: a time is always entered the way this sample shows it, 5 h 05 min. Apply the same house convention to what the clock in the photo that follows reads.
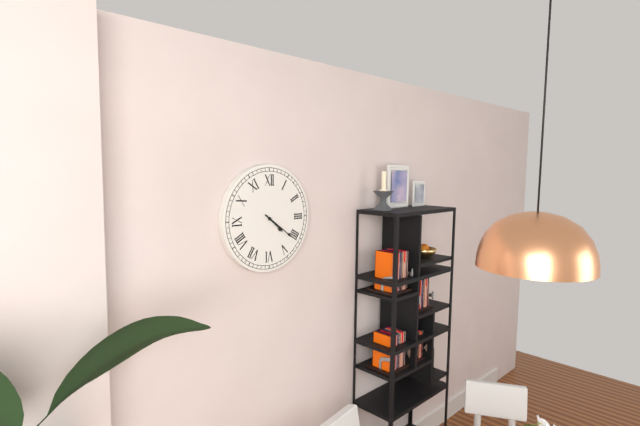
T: 4 h 21 min
